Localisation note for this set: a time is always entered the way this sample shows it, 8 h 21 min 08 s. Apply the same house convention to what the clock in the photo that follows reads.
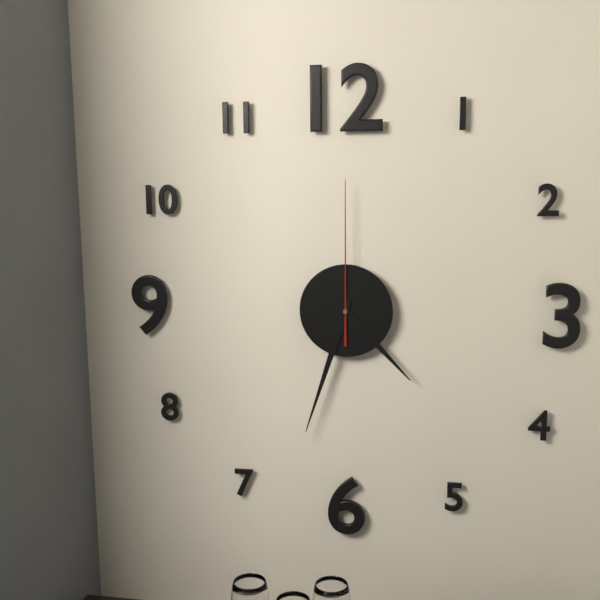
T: 4 h 33 min 00 s
